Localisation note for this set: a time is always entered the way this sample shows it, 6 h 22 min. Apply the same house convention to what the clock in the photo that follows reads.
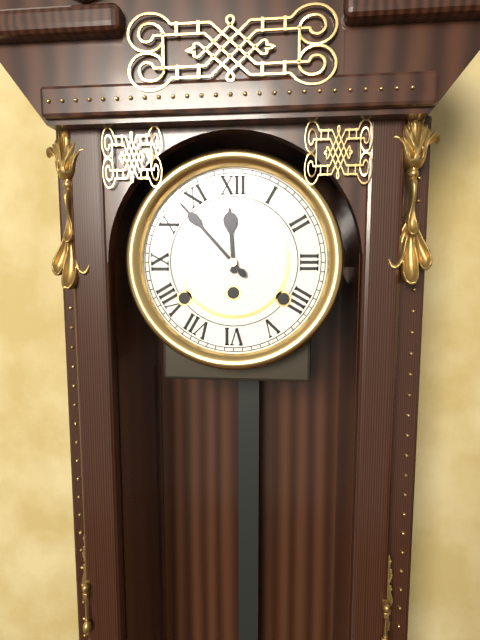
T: 11 h 53 min
